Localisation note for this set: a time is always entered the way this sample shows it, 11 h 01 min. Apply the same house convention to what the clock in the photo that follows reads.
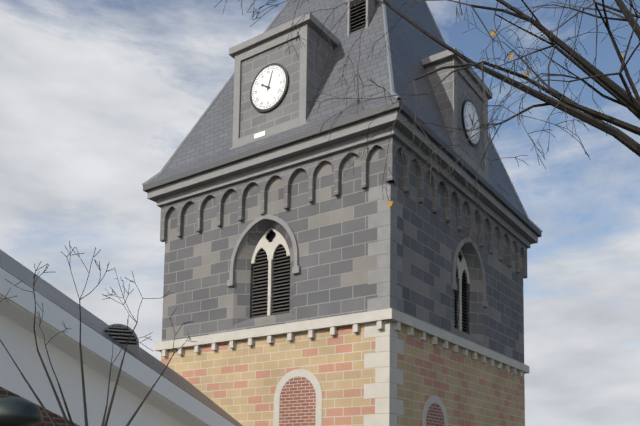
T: 10 h 03 min
